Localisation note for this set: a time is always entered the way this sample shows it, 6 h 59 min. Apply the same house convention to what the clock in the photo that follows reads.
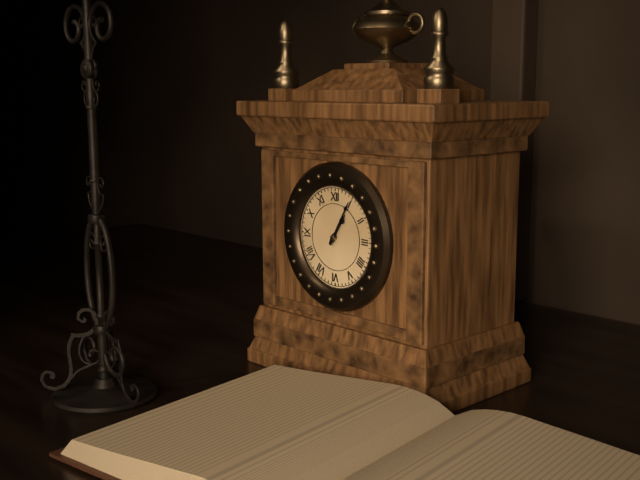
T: 1 h 05 min
